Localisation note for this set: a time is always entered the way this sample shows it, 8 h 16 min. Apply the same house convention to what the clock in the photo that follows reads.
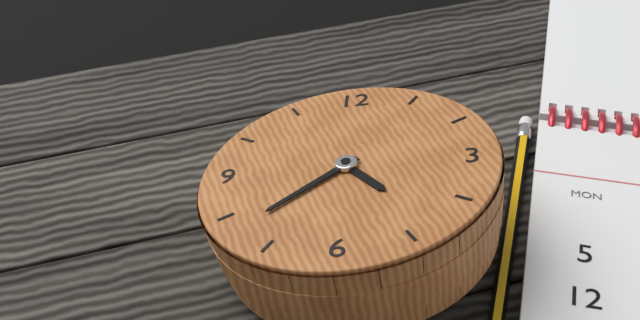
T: 4 h 38 min
